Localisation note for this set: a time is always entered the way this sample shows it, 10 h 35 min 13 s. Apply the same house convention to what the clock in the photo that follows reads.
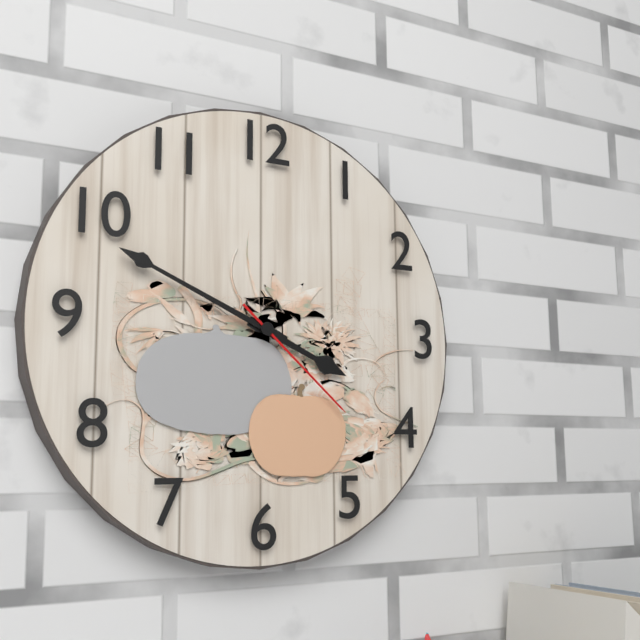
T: 3 h 49 min 22 s
